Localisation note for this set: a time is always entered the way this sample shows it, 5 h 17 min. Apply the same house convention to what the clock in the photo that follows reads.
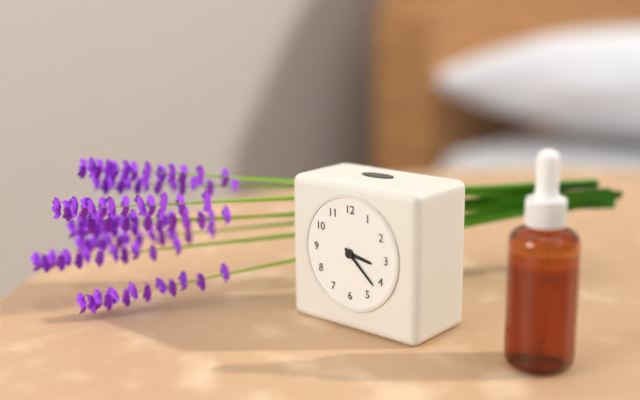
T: 3 h 22 min
